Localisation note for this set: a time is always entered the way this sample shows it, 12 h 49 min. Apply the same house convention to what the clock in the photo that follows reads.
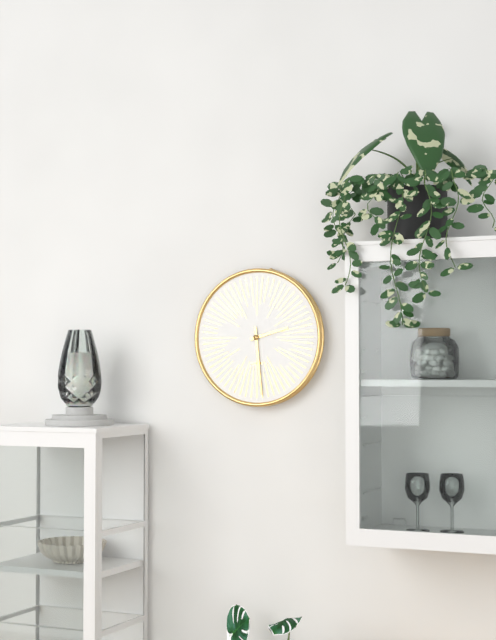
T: 2 h 29 min
